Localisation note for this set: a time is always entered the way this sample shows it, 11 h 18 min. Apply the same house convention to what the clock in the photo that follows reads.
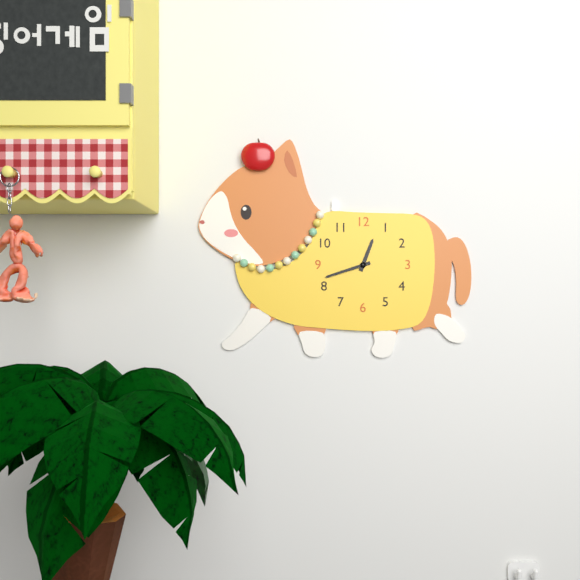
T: 12 h 42 min
